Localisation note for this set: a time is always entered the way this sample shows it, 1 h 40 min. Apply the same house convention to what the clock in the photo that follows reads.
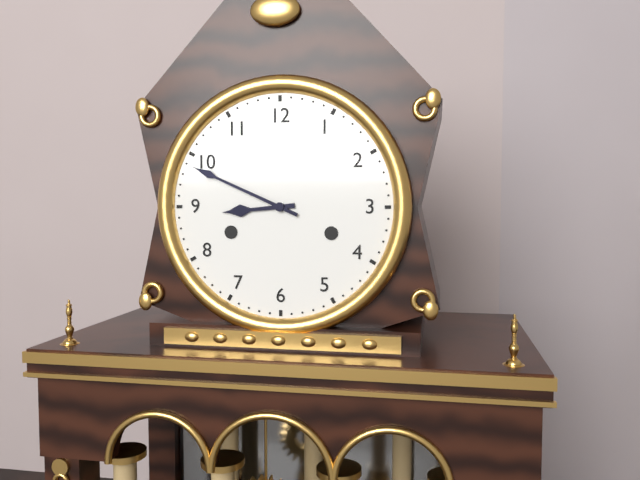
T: 8 h 49 min
